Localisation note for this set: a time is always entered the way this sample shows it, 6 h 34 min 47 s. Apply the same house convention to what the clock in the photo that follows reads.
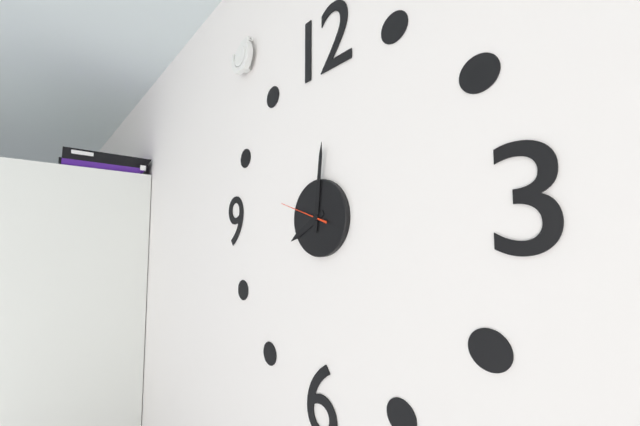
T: 8 h 01 min 48 s
